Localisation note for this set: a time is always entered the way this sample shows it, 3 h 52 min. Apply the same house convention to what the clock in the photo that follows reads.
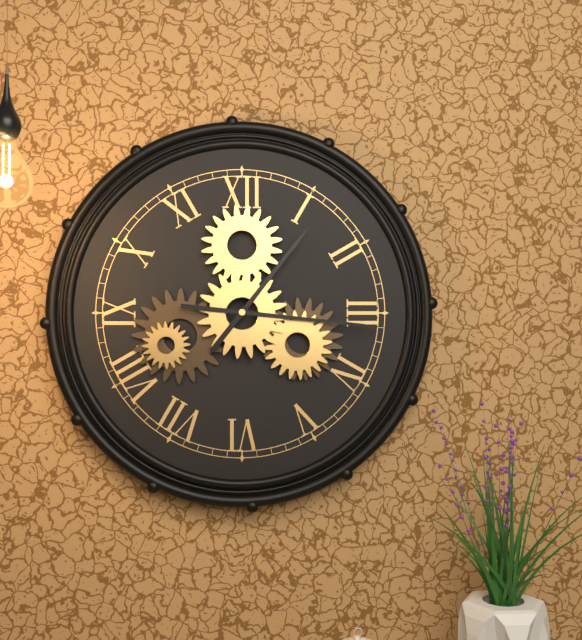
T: 1 h 16 min
